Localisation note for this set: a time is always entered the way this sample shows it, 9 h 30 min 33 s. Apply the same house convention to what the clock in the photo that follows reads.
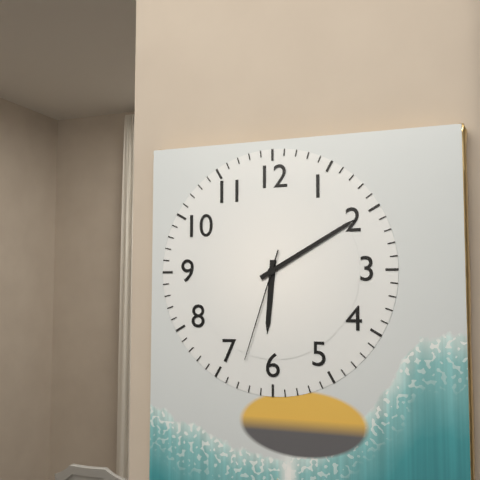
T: 6 h 10 min 33 s
